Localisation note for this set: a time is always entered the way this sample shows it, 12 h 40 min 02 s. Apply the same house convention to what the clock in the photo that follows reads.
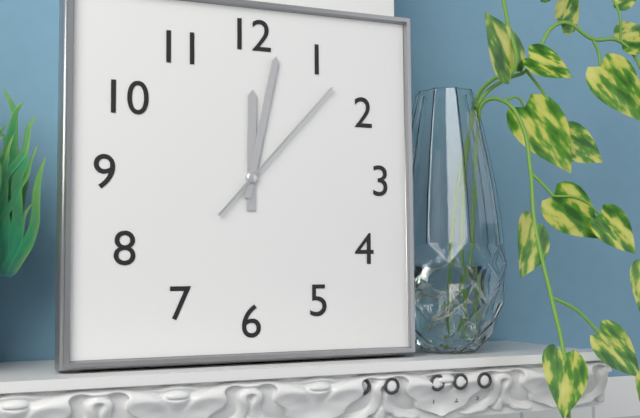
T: 12 h 02 min 07 s
